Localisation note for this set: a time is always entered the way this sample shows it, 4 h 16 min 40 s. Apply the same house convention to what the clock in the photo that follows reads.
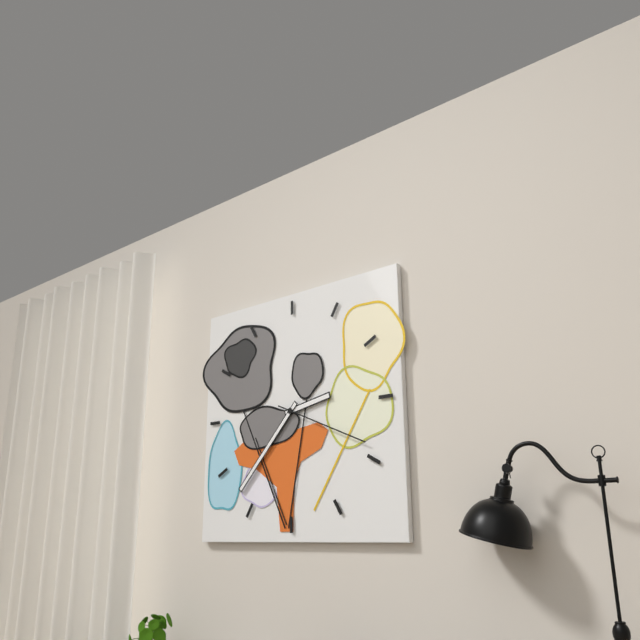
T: 2 h 37 min 19 s
